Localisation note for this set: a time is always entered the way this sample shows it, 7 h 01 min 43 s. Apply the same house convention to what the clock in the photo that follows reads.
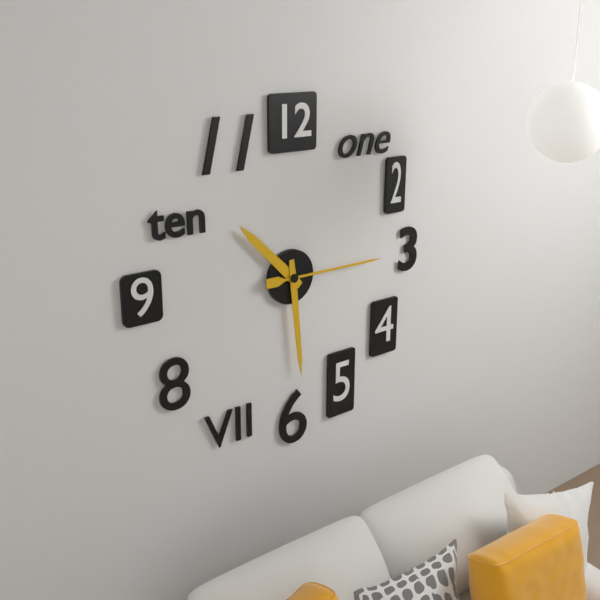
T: 10 h 29 min 15 s
